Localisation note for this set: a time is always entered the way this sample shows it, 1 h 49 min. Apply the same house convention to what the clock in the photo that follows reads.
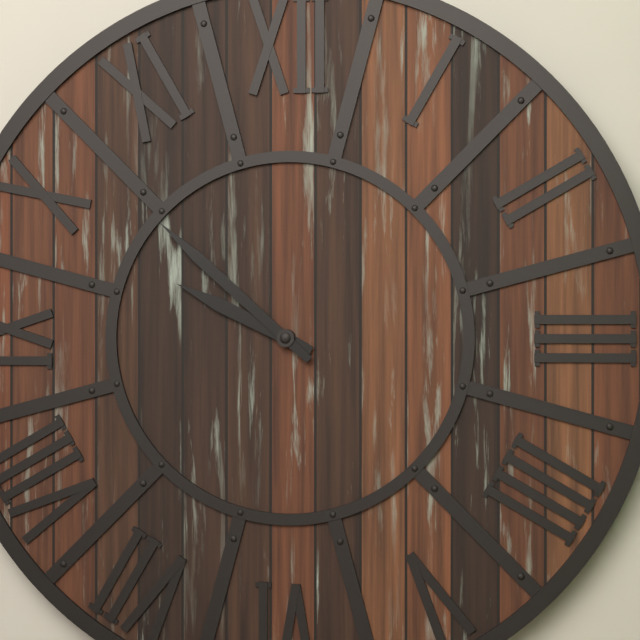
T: 9 h 52 min
